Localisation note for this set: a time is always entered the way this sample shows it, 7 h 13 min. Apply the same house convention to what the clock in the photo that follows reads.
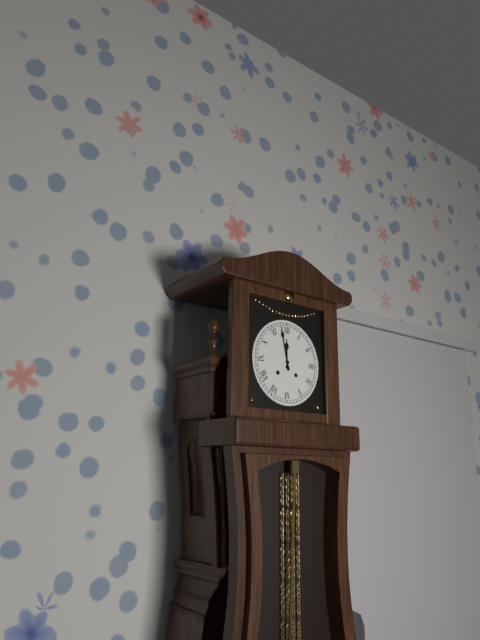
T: 11 h 58 min
